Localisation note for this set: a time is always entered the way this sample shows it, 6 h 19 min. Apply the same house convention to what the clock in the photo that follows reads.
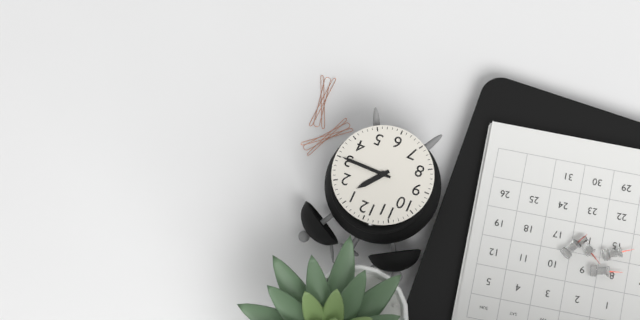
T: 1 h 15 min
